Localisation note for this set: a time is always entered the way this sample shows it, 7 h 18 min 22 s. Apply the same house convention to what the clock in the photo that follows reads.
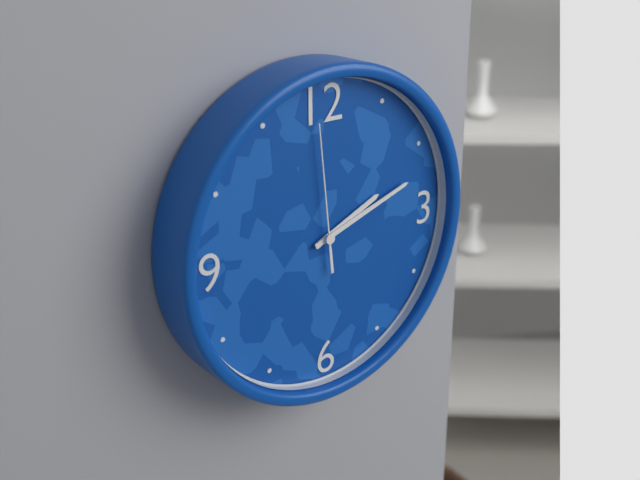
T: 2 h 12 min 59 s
